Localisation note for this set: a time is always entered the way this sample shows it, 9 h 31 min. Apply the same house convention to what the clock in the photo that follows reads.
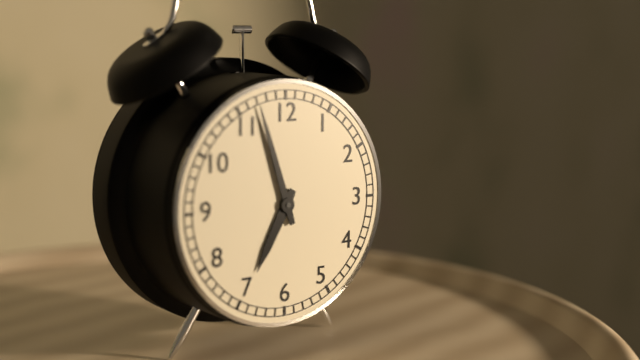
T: 6 h 57 min
